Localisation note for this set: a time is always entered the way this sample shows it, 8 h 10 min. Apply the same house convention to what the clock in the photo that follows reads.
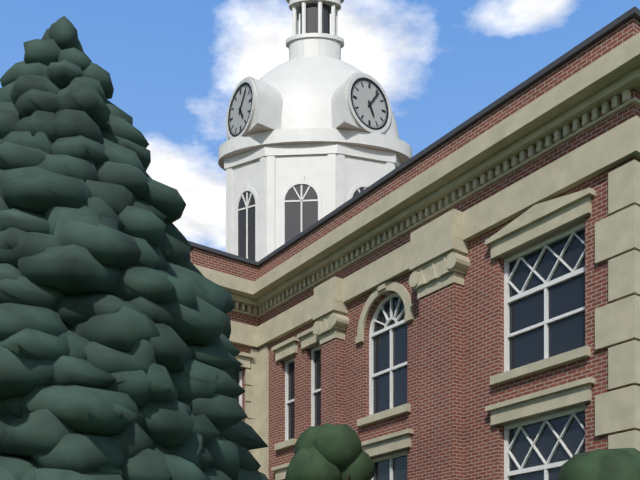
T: 5 h 06 min
